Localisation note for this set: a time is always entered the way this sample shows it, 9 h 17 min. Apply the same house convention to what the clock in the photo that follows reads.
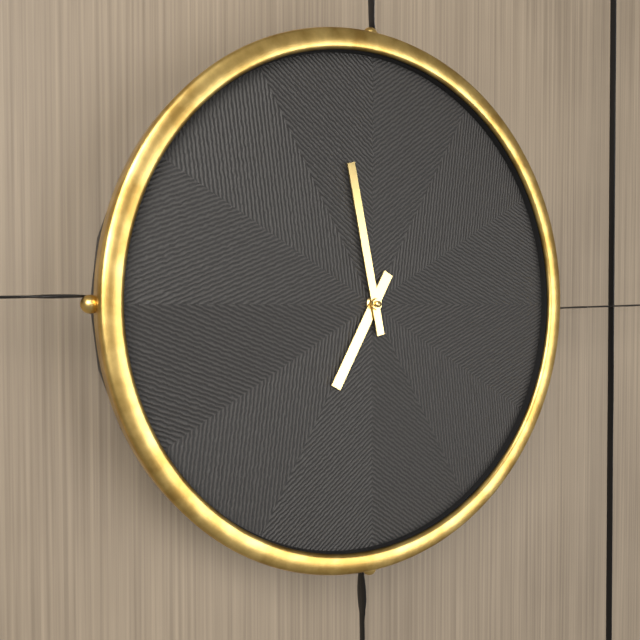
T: 6 h 58 min
